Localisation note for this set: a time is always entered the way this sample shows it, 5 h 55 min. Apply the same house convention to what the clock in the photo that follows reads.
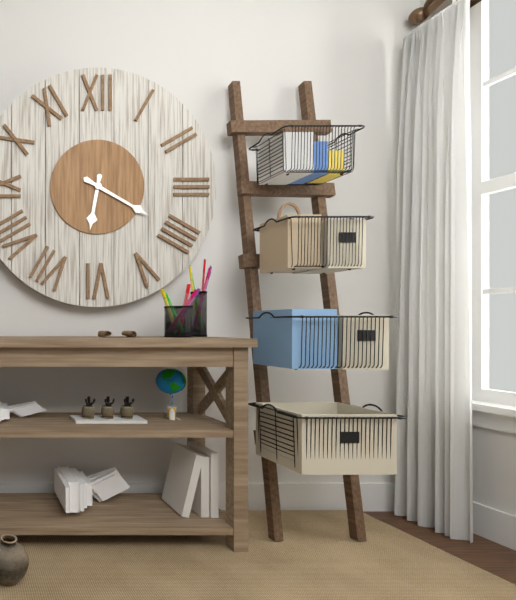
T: 6 h 20 min
